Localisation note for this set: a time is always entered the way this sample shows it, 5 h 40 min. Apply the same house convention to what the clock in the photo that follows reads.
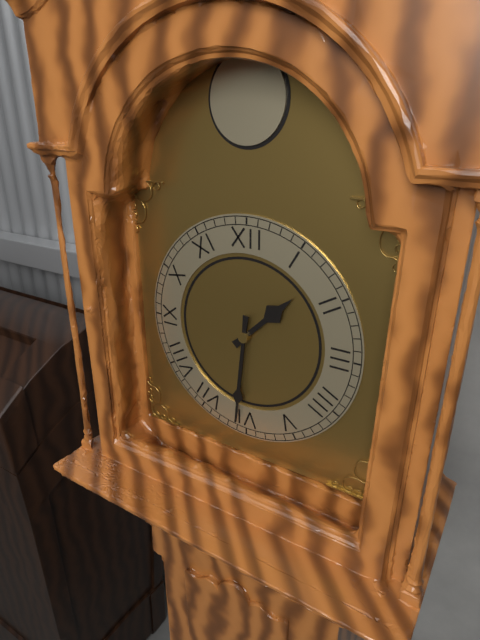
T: 1 h 31 min
